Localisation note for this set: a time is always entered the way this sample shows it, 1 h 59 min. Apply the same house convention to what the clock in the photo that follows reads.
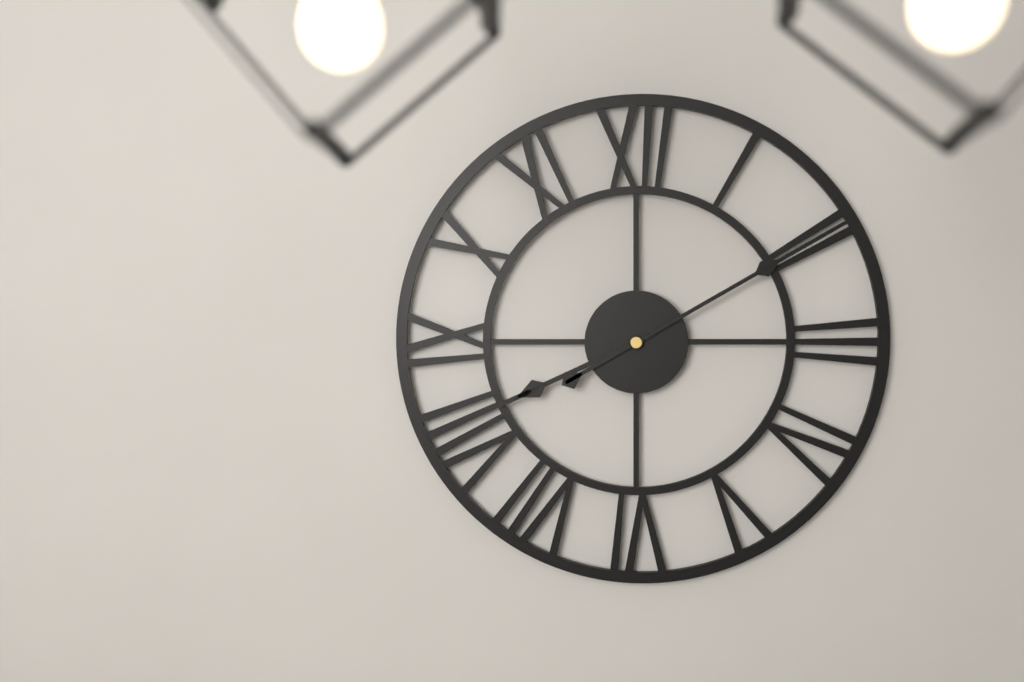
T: 8 h 10 min
